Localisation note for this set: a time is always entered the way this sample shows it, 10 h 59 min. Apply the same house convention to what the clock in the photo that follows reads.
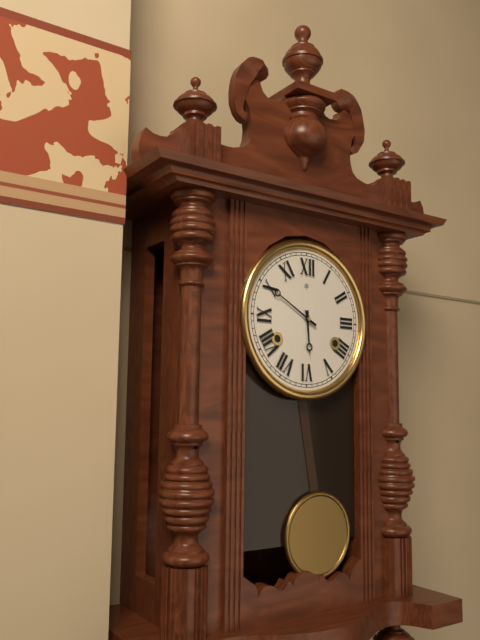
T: 5 h 50 min
